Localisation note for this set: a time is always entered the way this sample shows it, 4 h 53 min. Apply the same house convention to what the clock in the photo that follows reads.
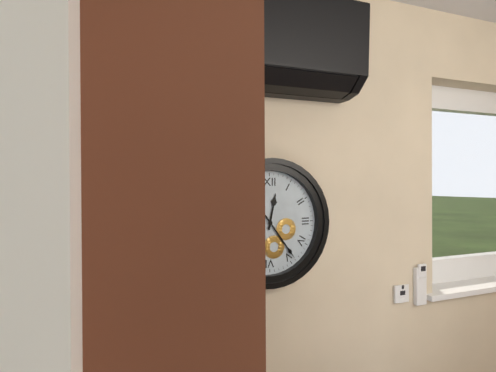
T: 12 h 24 min
